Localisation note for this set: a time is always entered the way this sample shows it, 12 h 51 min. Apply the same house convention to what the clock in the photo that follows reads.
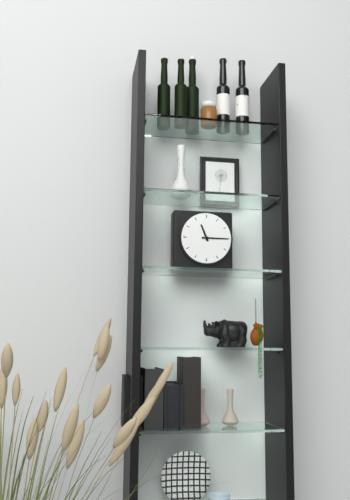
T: 11 h 15 min
